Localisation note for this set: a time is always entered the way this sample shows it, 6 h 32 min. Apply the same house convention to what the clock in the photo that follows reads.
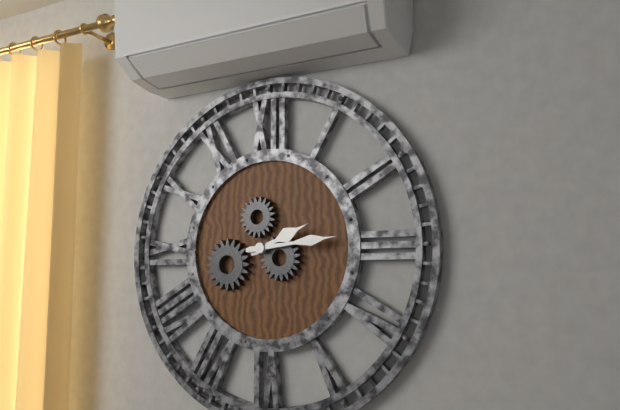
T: 2 h 14 min
